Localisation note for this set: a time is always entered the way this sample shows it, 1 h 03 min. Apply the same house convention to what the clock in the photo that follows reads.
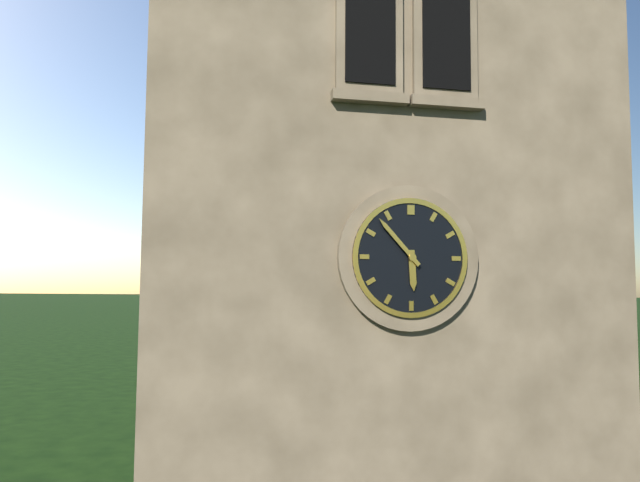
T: 5 h 53 min
